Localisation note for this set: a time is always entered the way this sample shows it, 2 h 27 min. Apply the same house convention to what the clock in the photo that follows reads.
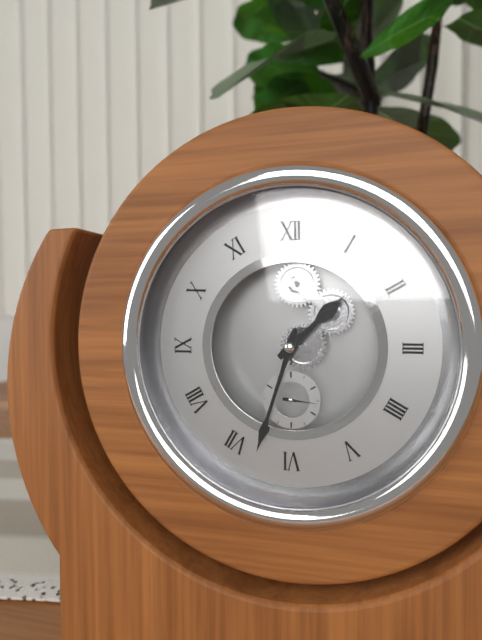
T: 1 h 33 min
